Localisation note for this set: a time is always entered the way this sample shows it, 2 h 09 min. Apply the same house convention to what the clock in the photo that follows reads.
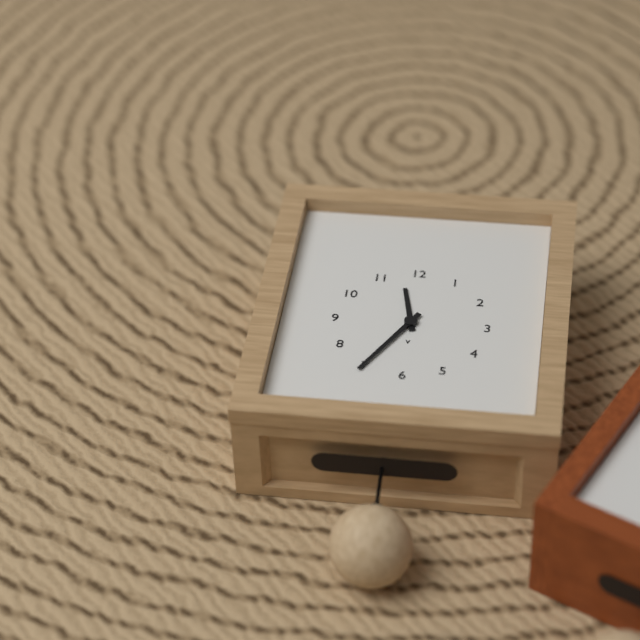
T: 11 h 35 min
